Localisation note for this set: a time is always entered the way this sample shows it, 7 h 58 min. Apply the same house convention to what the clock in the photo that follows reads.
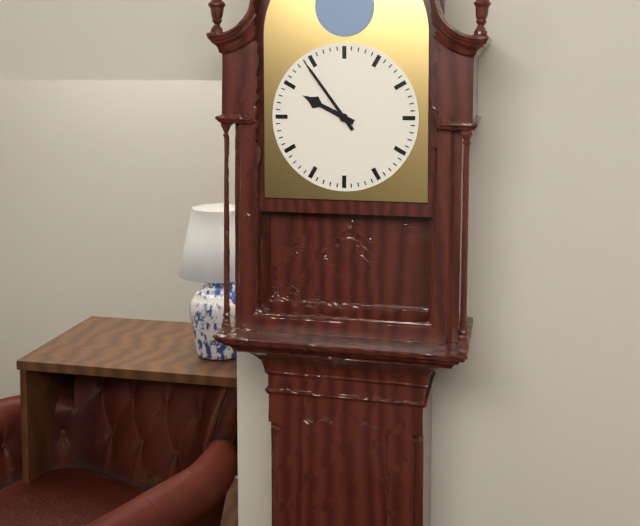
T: 9 h 54 min
